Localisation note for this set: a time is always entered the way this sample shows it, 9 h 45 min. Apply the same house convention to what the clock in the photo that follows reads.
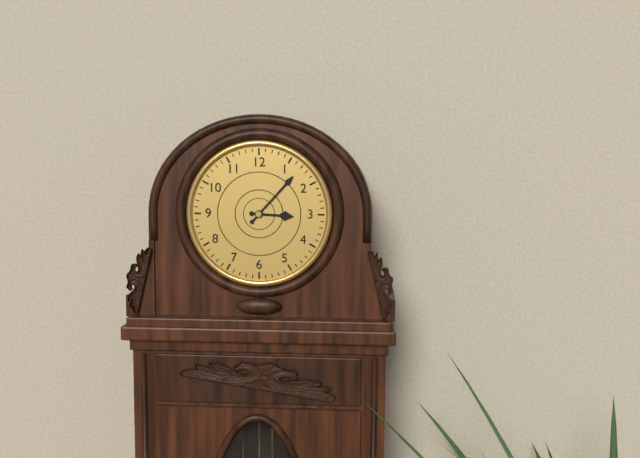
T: 3 h 07 min
